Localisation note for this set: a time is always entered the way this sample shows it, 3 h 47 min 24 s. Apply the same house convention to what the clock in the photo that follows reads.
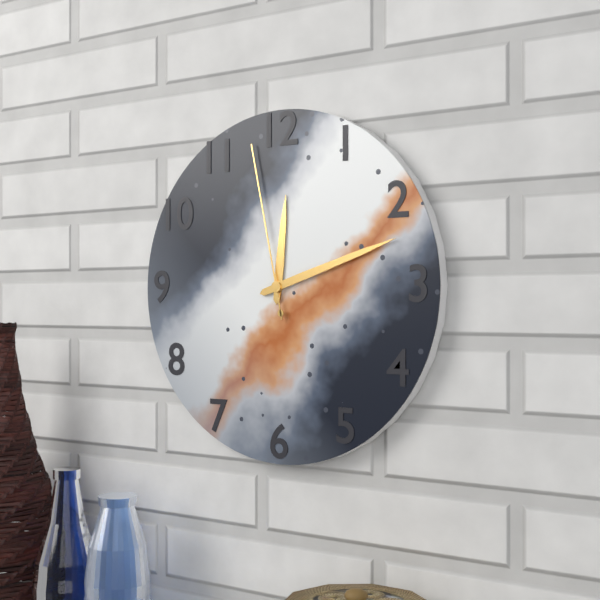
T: 12 h 12 min 58 s
